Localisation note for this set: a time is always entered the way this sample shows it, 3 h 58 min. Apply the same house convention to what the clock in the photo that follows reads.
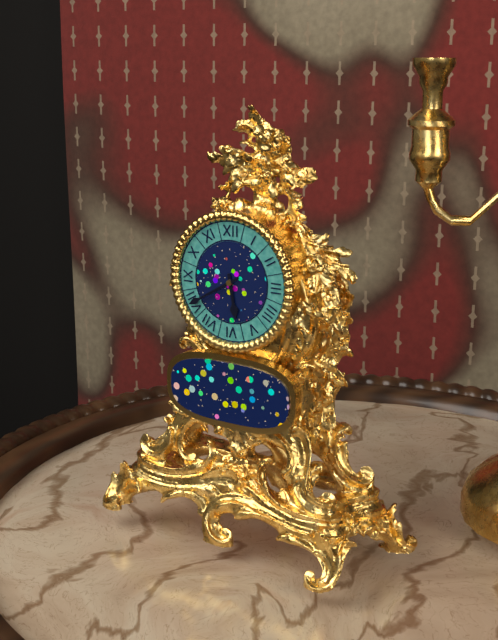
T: 5 h 40 min
